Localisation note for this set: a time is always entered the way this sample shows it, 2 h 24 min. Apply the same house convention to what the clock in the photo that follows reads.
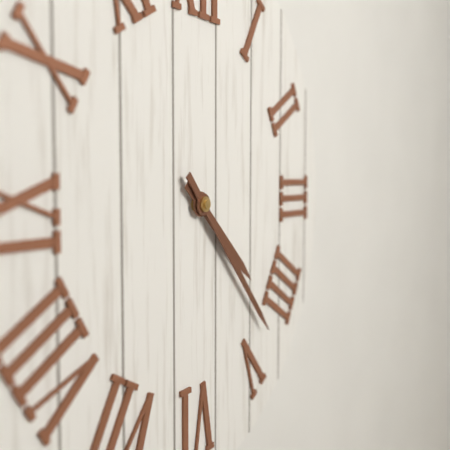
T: 4 h 23 min
